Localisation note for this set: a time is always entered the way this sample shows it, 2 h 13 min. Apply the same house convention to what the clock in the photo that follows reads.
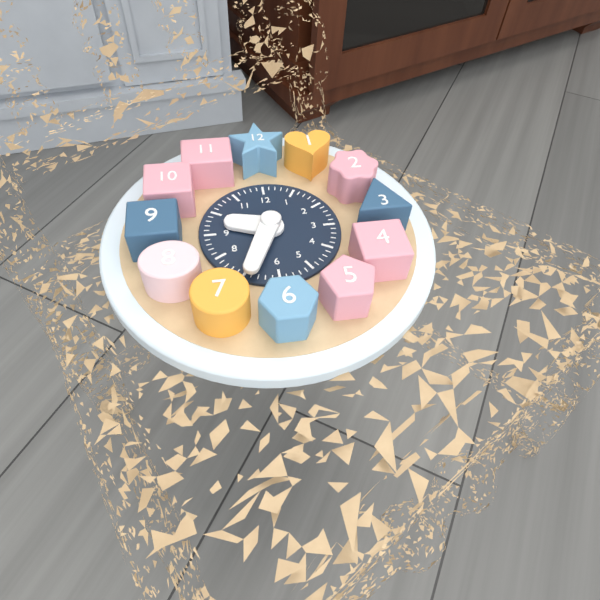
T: 9 h 34 min
